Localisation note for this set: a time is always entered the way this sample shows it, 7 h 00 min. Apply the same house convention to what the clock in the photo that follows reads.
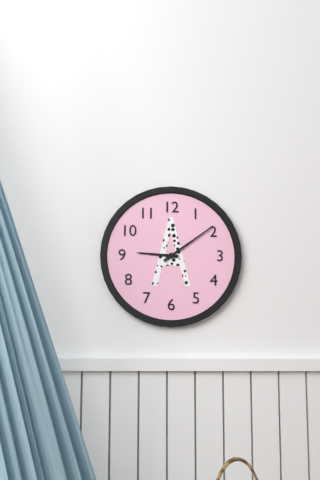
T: 9 h 09 min
